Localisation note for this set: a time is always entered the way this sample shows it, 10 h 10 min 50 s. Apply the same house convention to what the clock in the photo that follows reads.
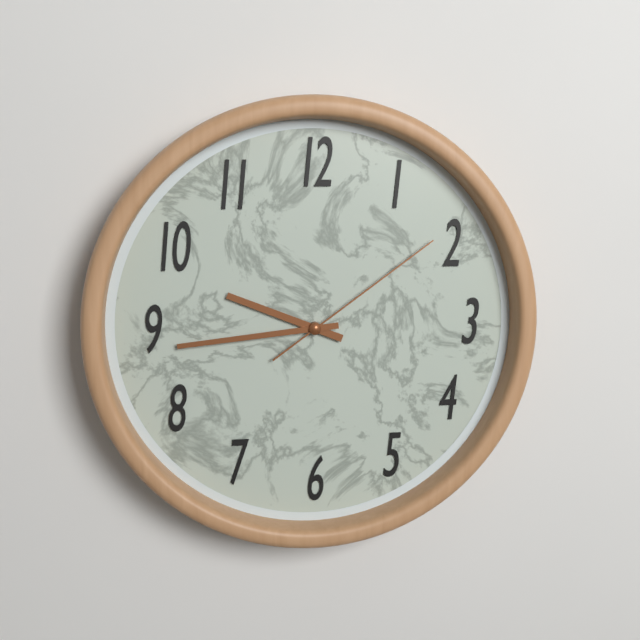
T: 9 h 44 min 09 s
